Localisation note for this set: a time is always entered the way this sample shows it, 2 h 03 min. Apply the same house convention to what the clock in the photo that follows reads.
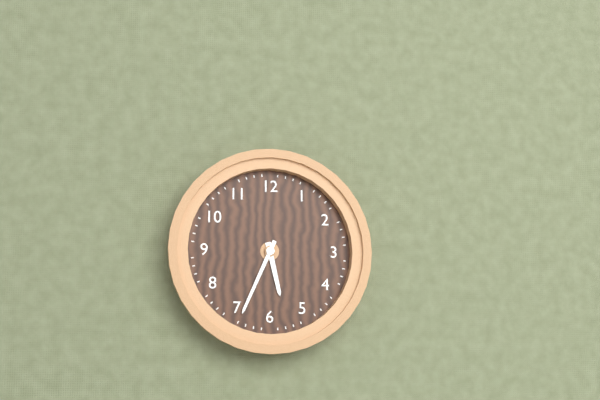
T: 5 h 34 min
